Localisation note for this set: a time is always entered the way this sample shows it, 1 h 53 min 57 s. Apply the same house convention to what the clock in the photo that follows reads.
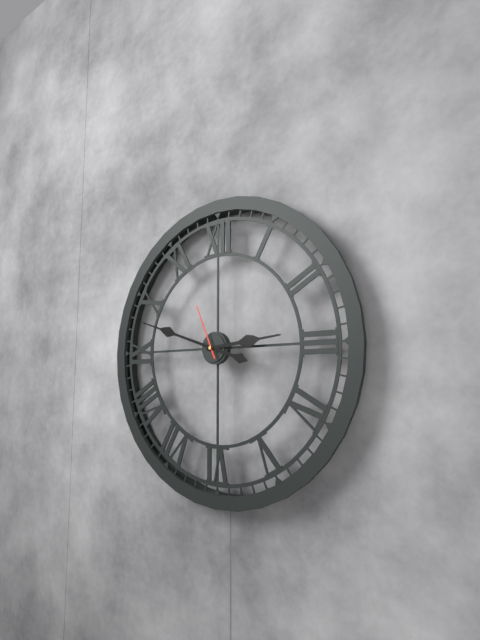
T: 2 h 48 min 56 s
